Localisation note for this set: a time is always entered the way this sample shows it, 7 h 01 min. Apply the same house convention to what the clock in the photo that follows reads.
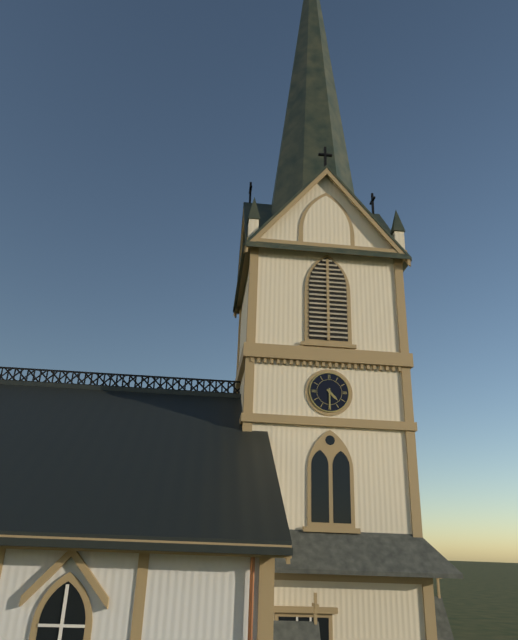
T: 4 h 30 min
